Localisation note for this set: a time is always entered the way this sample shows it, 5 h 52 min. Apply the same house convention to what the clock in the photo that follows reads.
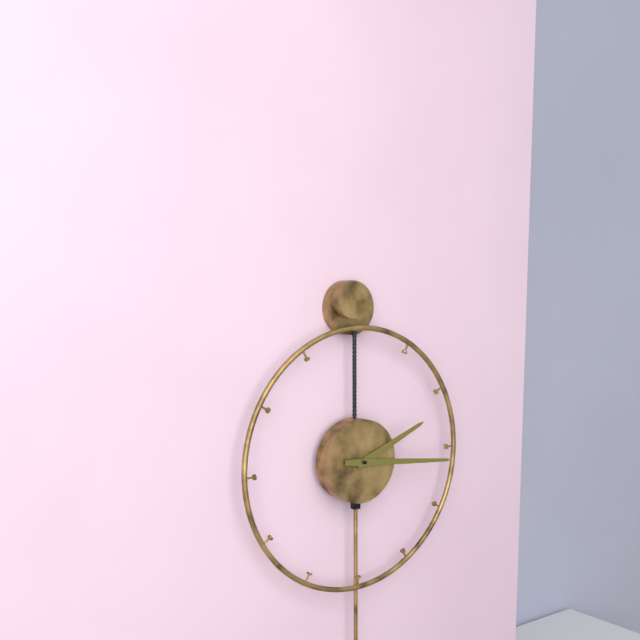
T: 2 h 16 min
